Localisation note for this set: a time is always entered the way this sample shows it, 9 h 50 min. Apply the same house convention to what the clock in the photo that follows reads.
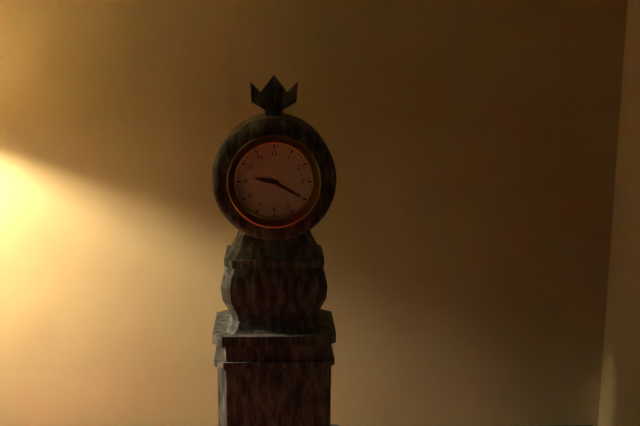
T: 9 h 20 min
